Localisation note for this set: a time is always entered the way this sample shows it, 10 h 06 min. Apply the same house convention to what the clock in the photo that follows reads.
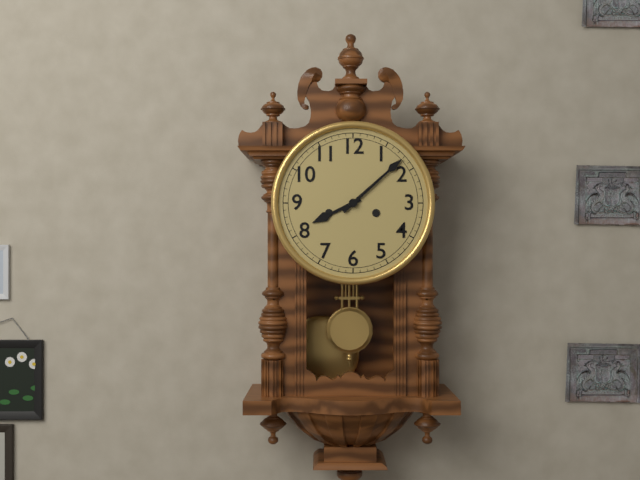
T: 8 h 08 min
